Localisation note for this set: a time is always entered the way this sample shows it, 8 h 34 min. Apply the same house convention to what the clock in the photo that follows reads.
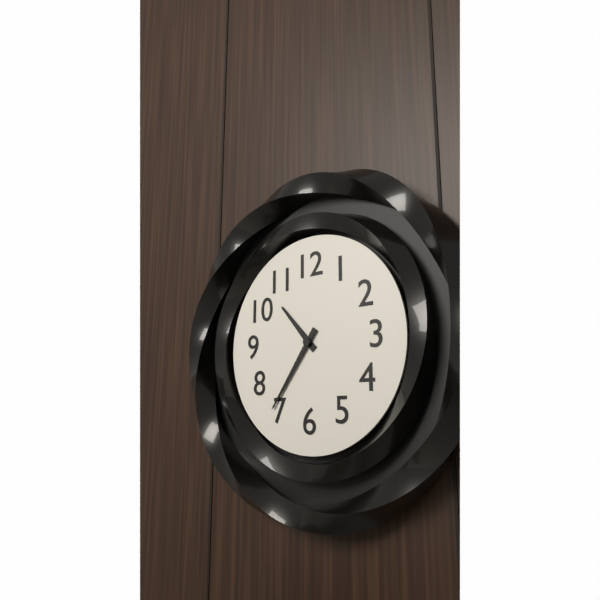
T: 10 h 36 min
